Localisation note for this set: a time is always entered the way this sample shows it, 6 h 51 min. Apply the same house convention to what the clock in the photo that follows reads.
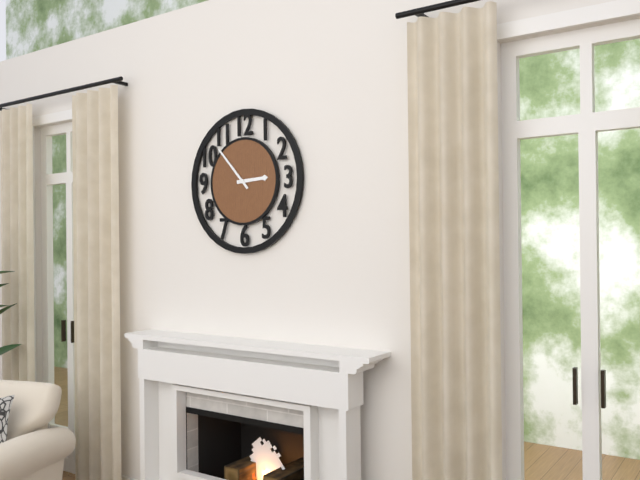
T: 2 h 53 min
